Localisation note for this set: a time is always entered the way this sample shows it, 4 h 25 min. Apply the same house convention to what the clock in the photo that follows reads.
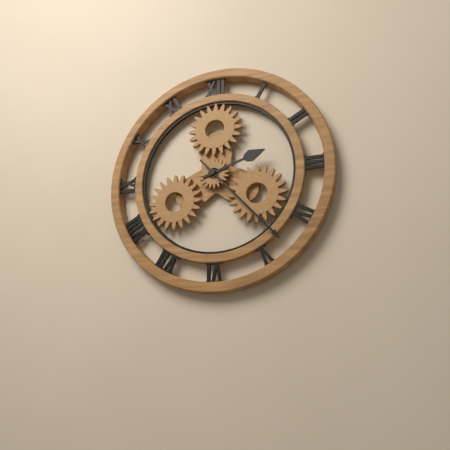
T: 2 h 23 min
